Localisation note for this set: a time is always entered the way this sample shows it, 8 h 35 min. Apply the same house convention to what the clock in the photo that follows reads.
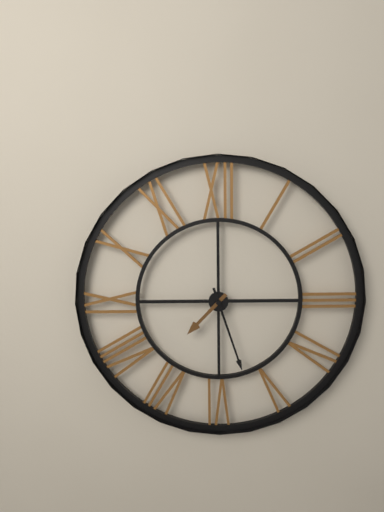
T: 7 h 27 min
